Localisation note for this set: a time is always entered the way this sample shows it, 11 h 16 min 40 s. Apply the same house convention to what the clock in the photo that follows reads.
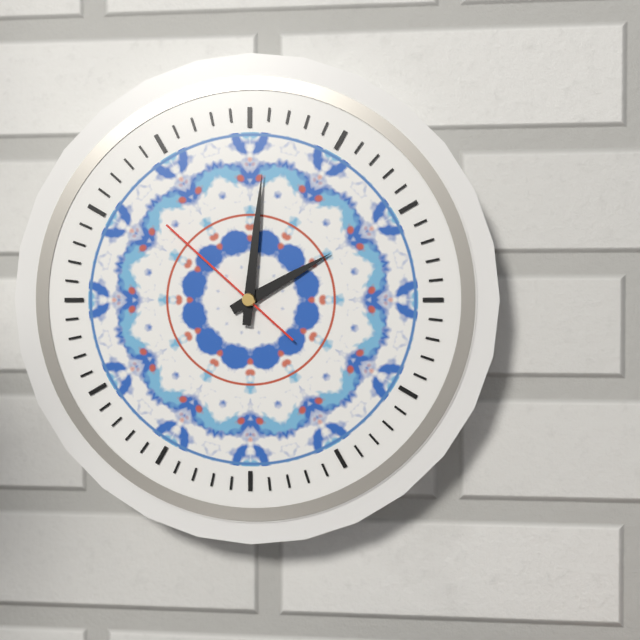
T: 2 h 01 min 52 s
